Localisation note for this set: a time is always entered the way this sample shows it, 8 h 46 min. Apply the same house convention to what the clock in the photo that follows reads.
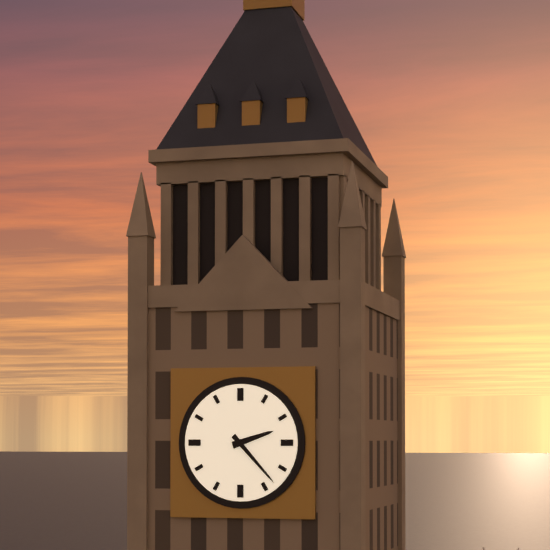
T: 2 h 23 min
